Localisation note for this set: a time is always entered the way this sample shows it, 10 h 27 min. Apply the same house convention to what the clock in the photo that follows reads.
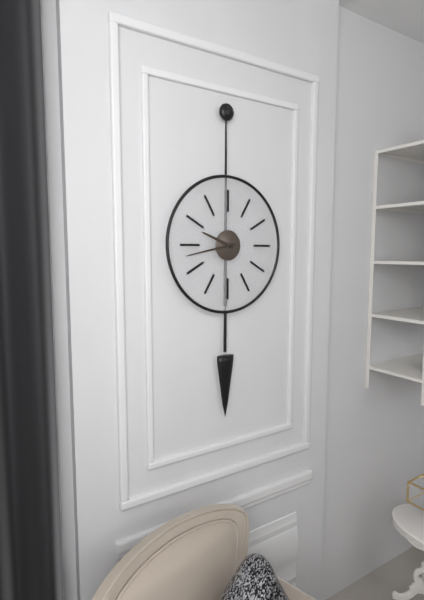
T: 9 h 43 min
